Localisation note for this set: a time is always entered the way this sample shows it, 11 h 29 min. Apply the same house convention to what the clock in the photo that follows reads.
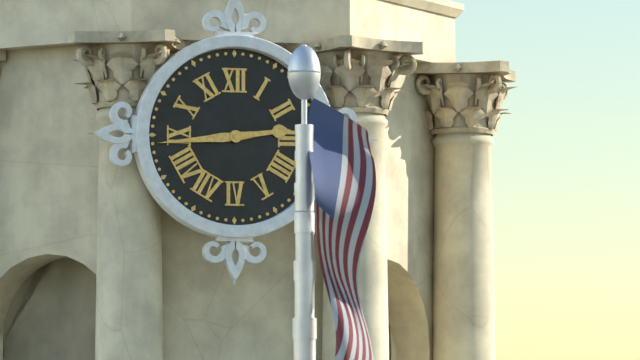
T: 2 h 44 min
